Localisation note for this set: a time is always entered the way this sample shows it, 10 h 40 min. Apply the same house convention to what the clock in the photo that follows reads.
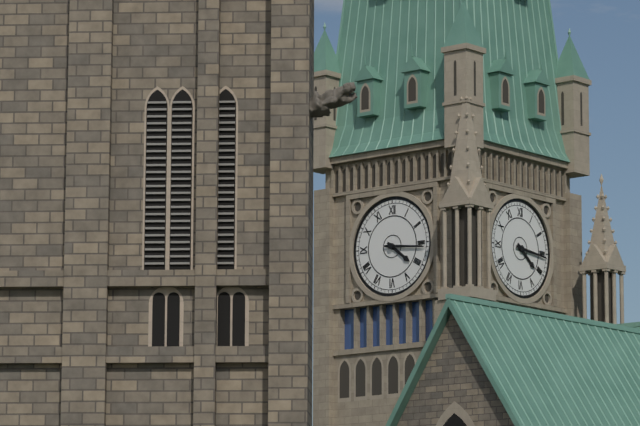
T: 4 h 16 min
